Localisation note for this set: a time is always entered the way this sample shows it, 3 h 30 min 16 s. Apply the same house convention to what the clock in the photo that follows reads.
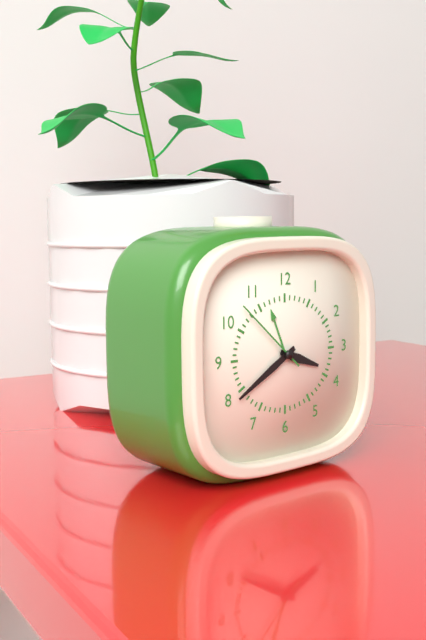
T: 3 h 40 min 52 s
